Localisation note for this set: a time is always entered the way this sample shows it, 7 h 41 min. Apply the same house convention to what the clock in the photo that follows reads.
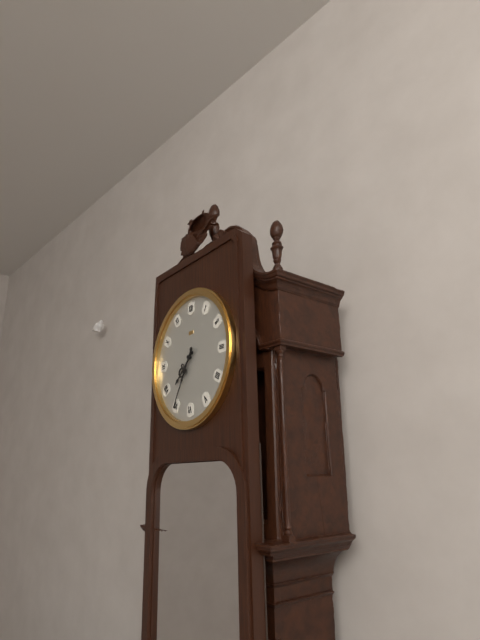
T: 7 h 35 min
